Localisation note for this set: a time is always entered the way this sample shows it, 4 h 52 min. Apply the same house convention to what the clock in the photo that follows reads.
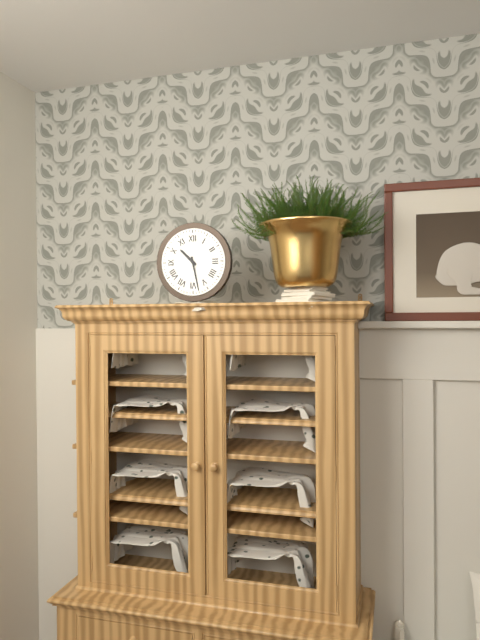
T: 10 h 28 min
